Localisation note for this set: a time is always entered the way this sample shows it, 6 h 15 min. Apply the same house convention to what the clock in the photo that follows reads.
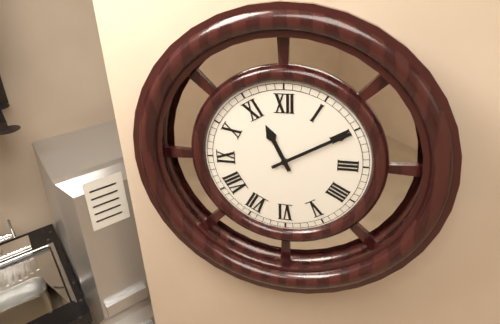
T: 11 h 10 min
